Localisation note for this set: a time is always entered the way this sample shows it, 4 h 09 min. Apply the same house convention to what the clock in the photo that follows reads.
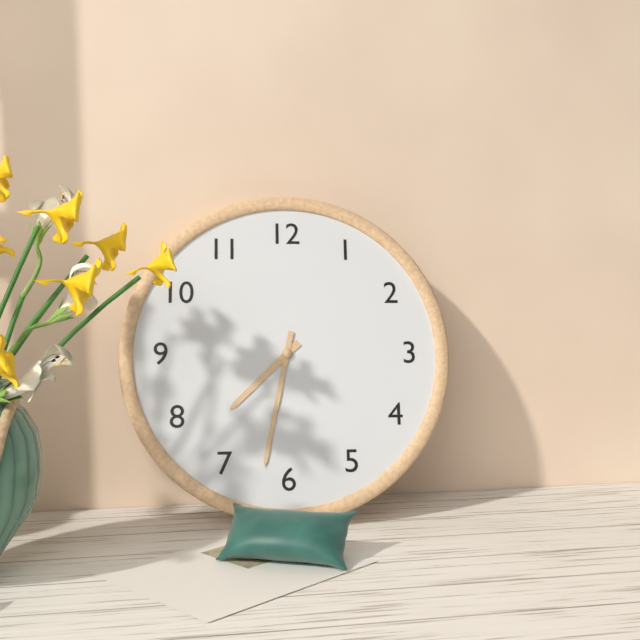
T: 7 h 32 min
